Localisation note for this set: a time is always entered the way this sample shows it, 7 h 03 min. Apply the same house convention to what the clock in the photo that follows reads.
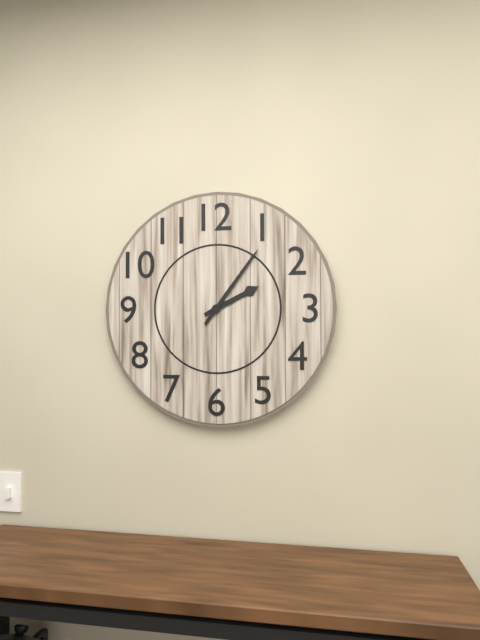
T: 2 h 06 min
